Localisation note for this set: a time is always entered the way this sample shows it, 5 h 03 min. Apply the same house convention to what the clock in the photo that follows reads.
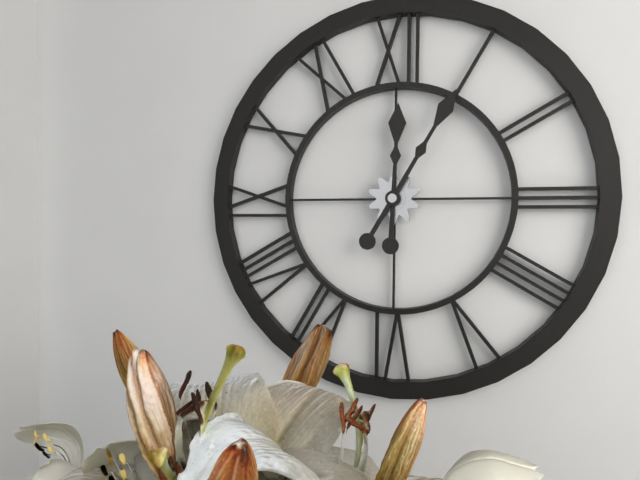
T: 12 h 05 min
